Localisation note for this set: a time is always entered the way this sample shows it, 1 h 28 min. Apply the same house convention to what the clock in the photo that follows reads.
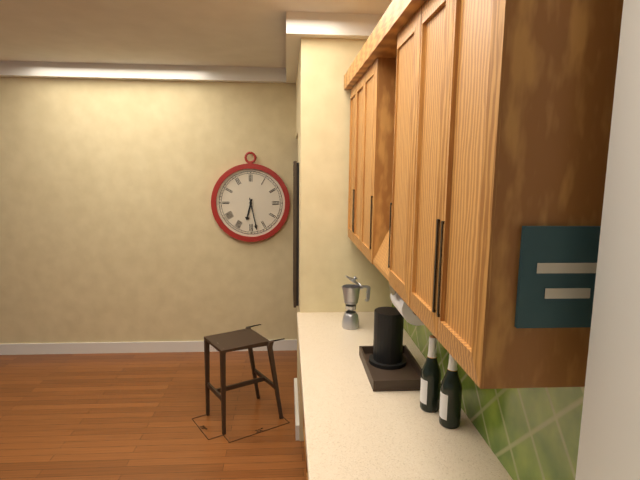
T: 6 h 28 min
